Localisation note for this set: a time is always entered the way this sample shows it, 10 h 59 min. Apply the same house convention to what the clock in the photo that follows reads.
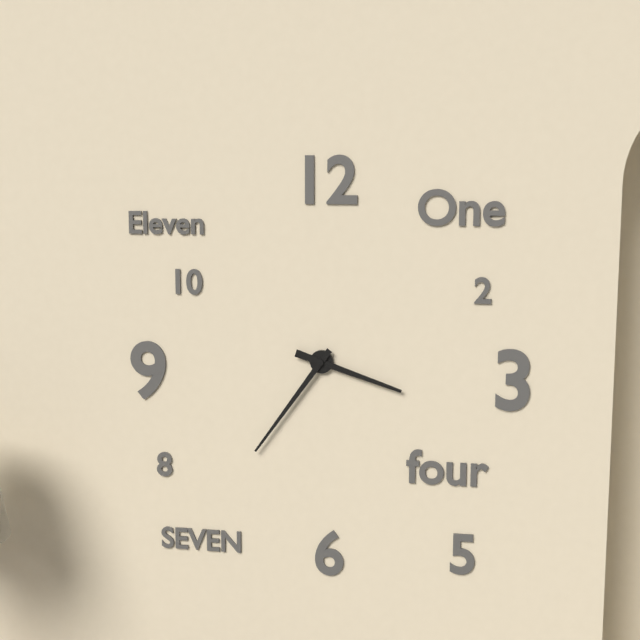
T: 3 h 36 min
